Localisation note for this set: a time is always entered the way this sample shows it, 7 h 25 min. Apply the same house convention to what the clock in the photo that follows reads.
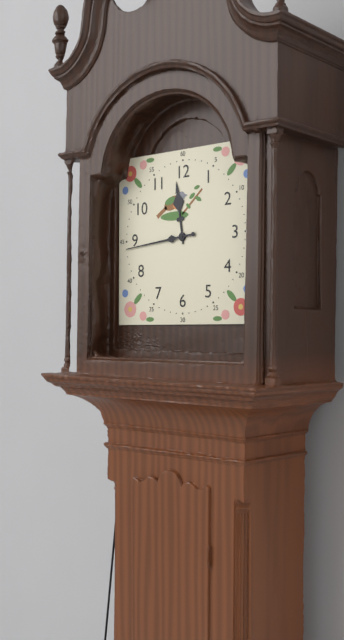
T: 11 h 44 min
